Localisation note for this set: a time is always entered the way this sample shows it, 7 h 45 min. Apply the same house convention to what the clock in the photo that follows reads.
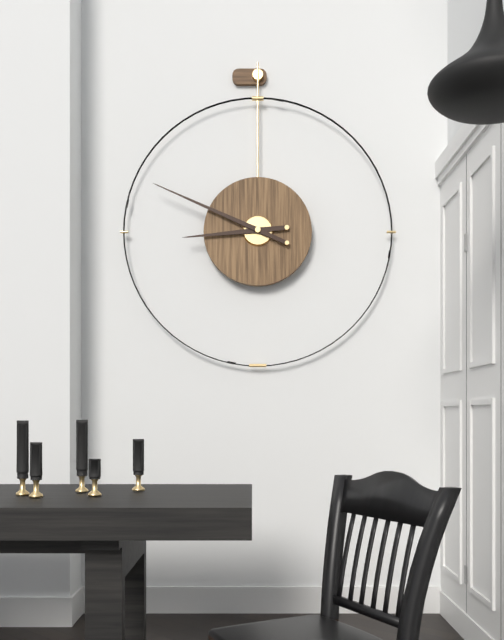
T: 8 h 49 min
